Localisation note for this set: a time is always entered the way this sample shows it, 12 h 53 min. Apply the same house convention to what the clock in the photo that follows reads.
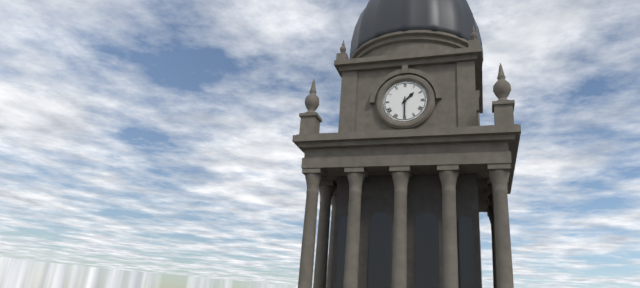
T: 1 h 30 min
